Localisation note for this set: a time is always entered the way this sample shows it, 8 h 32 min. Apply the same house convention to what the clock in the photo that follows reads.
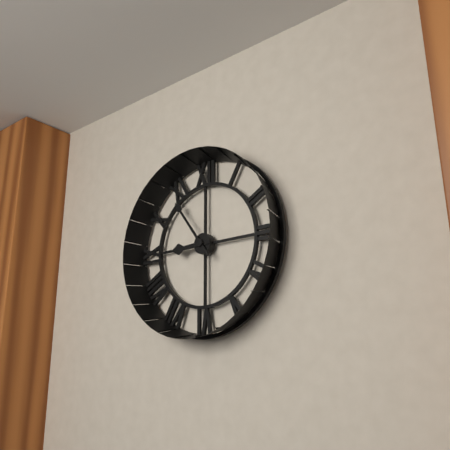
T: 8 h 54 min
